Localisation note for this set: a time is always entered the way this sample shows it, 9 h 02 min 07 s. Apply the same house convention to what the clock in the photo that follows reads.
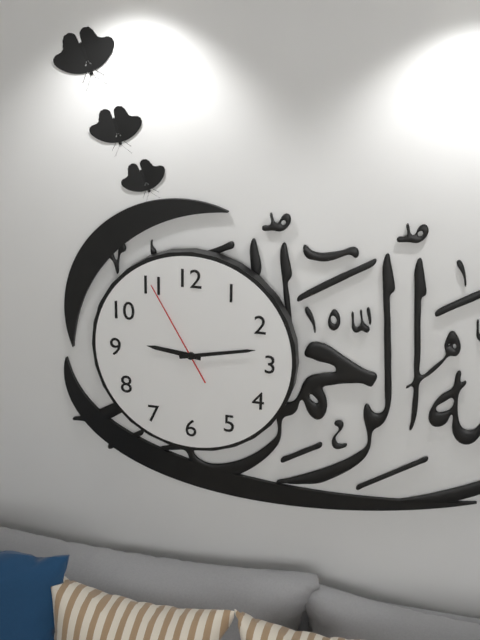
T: 9 h 13 min 55 s
